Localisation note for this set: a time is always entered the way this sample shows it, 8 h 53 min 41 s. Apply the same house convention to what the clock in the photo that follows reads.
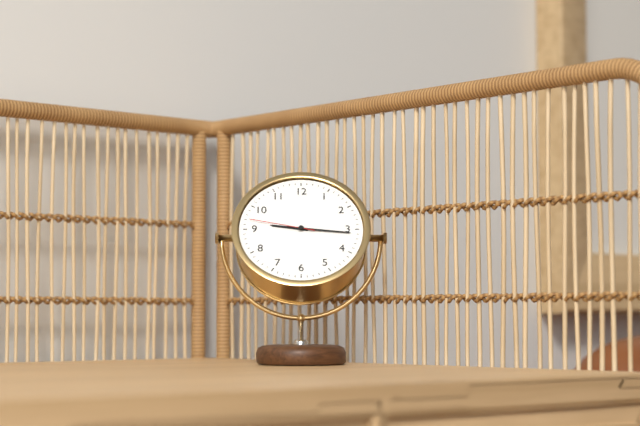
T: 9 h 16 min 47 s
